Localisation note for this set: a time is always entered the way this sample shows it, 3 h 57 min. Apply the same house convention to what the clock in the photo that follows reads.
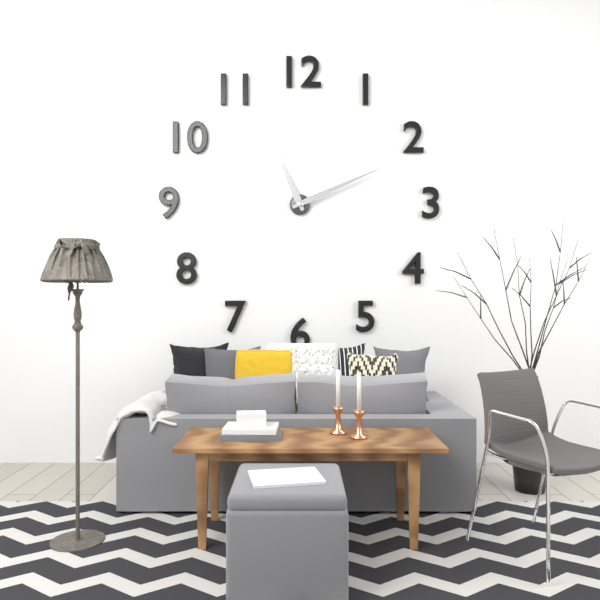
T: 11 h 11 min
